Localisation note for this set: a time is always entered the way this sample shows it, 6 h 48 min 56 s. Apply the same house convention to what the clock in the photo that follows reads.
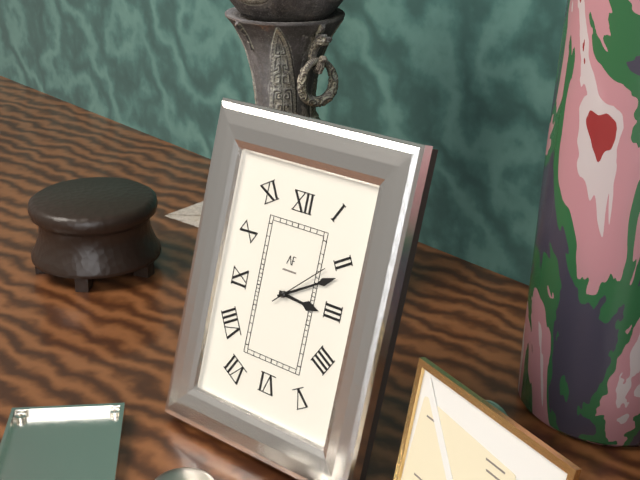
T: 3 h 10 min 08 s
